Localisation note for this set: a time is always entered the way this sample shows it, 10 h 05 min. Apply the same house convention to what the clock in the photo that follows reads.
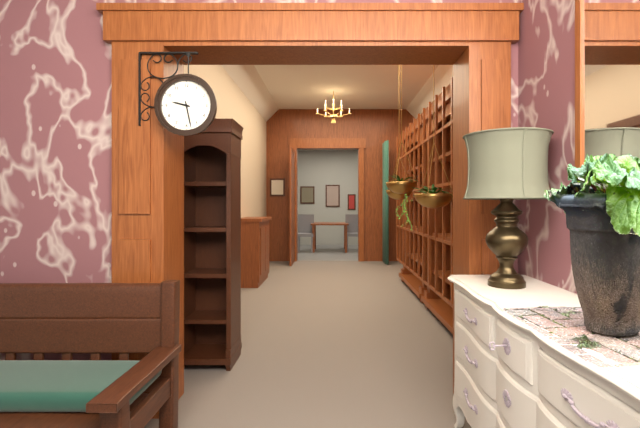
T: 9 h 28 min
